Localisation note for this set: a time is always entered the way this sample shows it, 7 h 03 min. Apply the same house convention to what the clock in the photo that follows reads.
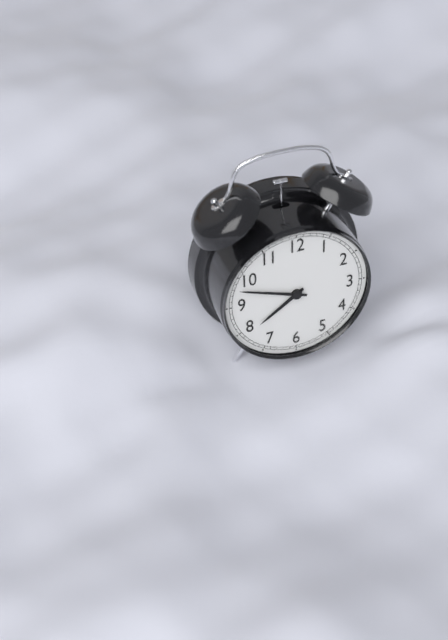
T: 7 h 48 min
